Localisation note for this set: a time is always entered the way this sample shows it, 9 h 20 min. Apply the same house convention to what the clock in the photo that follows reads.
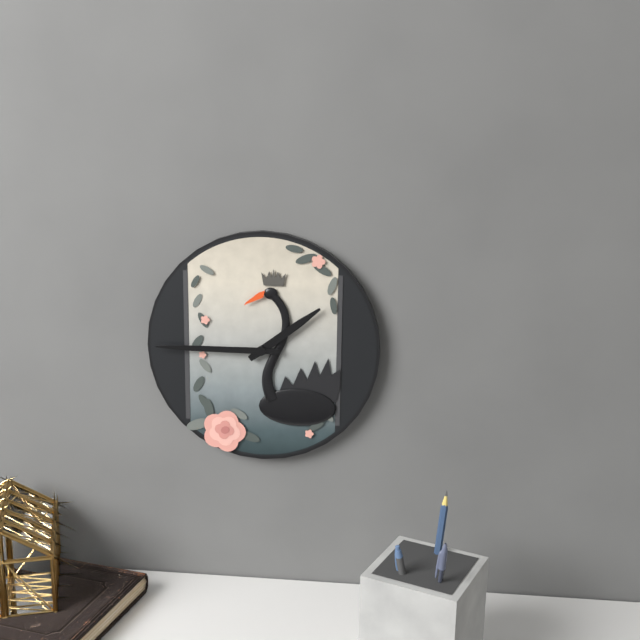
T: 1 h 45 min
